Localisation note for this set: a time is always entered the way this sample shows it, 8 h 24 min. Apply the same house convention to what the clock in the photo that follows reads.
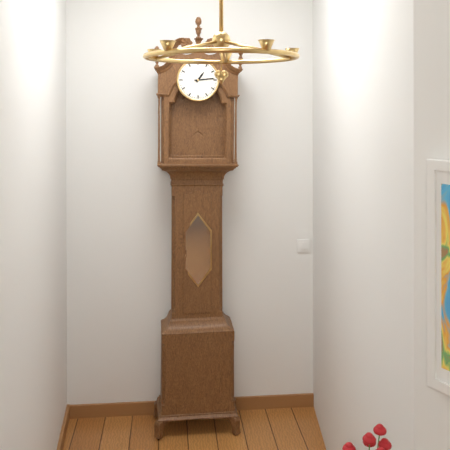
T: 1 h 14 min
